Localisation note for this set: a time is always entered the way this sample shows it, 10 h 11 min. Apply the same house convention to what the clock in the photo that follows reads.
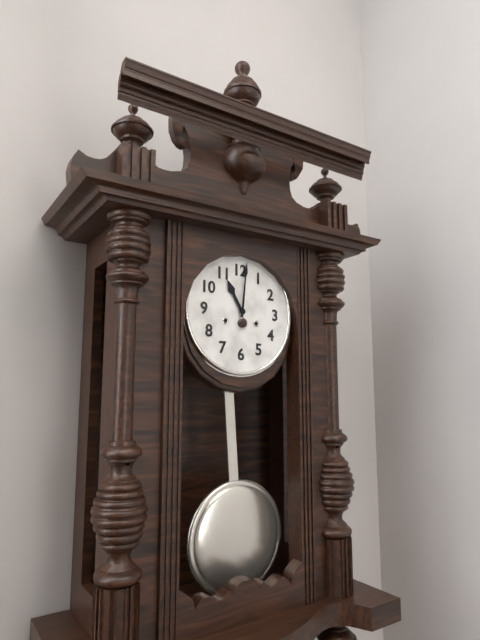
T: 11 h 01 min
